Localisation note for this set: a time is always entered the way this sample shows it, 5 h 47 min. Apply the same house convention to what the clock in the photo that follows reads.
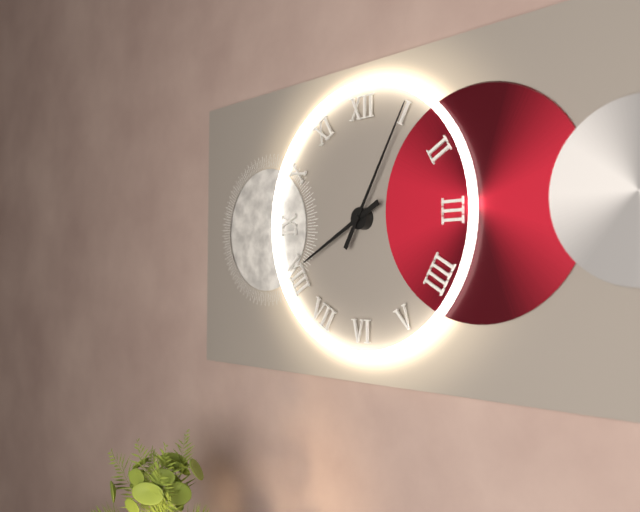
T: 8 h 05 min
